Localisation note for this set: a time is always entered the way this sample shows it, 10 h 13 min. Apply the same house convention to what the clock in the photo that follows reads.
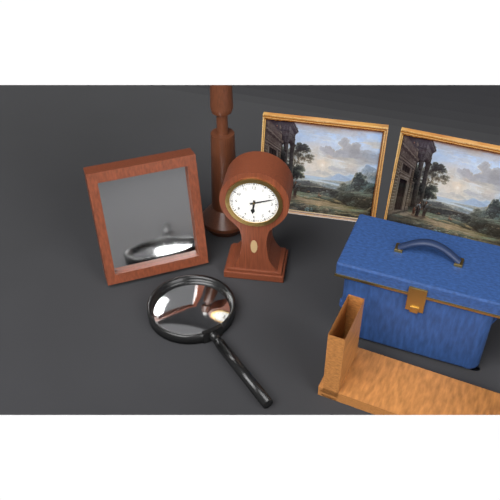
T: 6 h 12 min
